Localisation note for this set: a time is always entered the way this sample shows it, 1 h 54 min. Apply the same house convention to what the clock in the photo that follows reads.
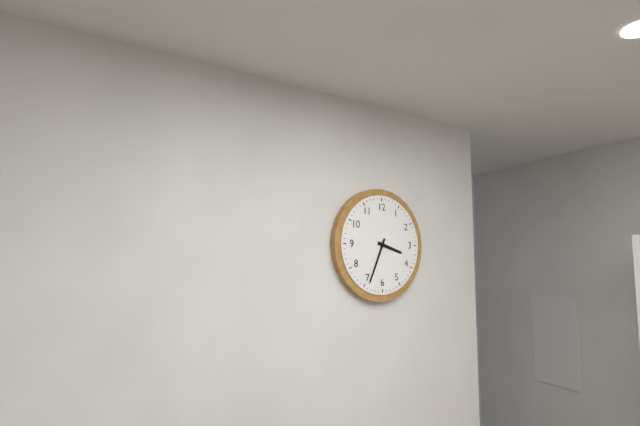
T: 3 h 34 min
